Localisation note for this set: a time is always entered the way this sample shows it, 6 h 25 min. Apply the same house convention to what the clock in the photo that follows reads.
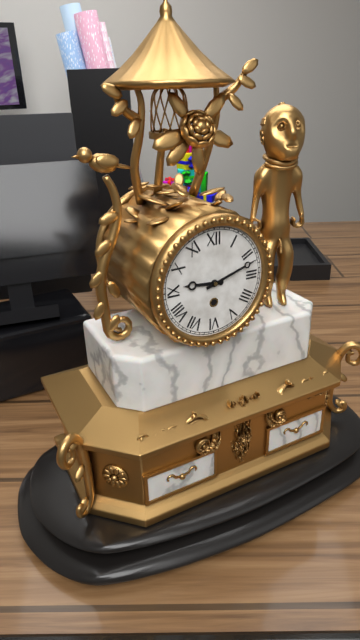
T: 9 h 12 min
